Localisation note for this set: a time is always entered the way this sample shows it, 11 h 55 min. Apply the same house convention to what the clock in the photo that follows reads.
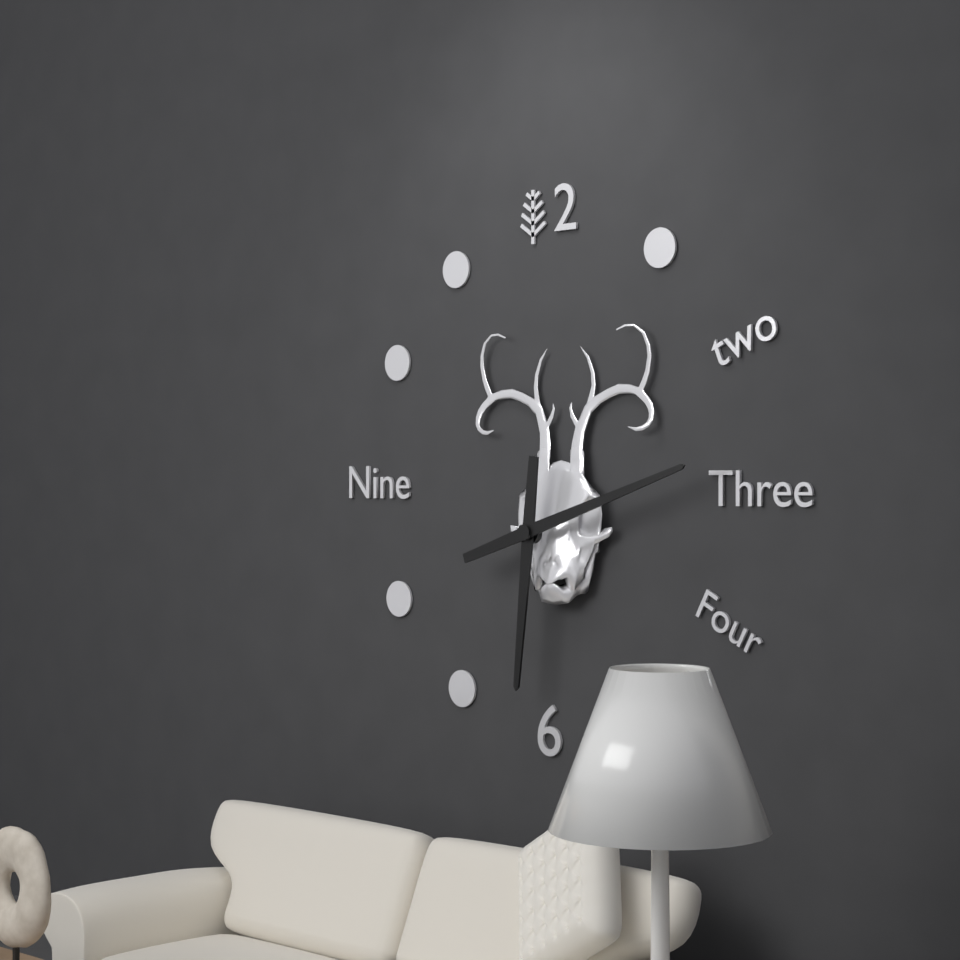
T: 6 h 12 min
